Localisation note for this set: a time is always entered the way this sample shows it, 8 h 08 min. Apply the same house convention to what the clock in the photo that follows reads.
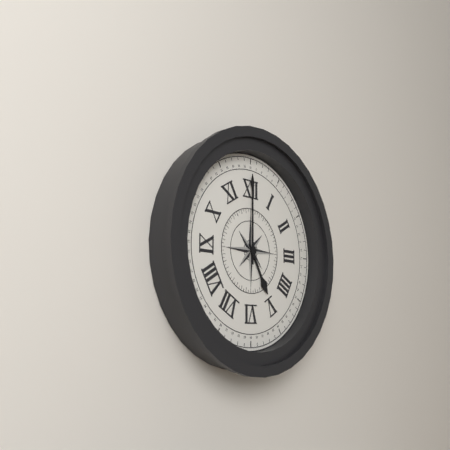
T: 5 h 00 min
